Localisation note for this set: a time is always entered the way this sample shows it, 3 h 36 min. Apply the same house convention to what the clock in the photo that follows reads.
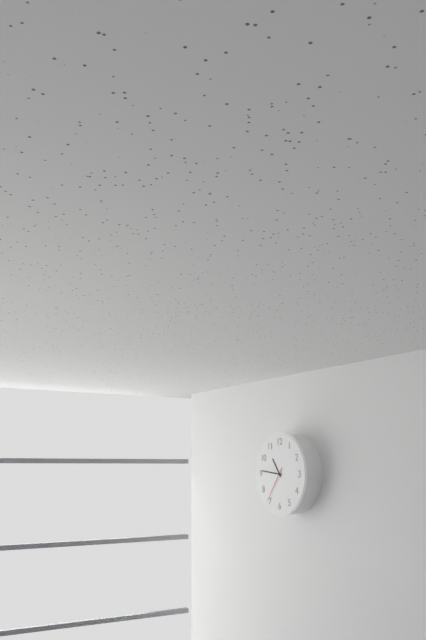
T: 10 h 46 min
